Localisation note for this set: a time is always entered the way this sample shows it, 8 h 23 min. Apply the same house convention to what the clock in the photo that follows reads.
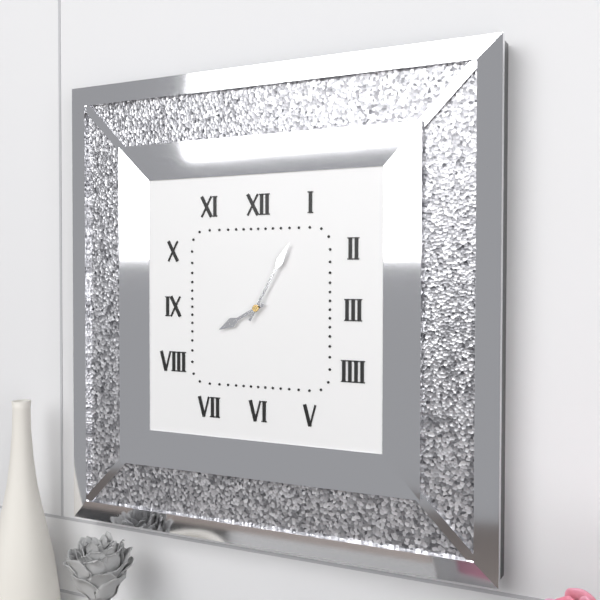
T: 8 h 05 min
